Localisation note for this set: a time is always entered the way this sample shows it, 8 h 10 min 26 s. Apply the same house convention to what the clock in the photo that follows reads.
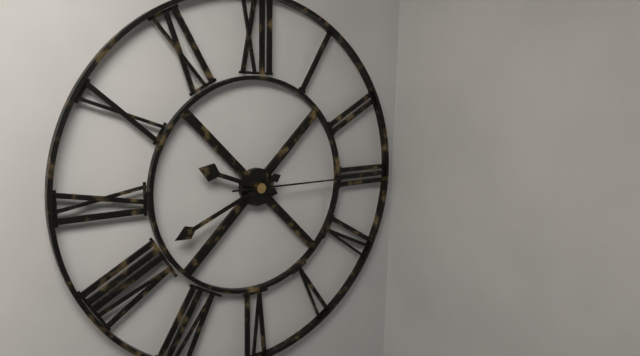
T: 9 h 41 min 15 s
